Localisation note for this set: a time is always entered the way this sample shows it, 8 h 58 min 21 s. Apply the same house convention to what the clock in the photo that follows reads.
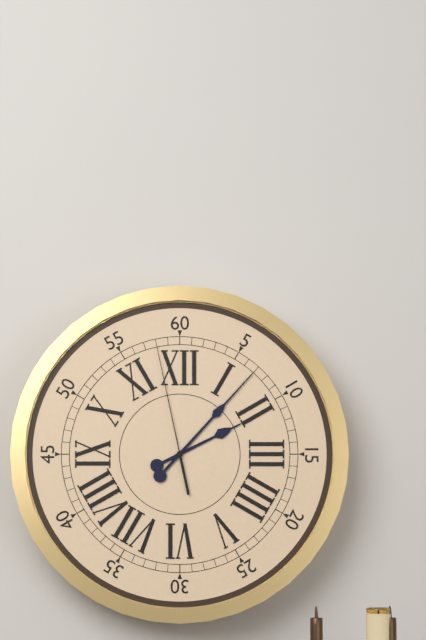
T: 2 h 07 min 58 s
